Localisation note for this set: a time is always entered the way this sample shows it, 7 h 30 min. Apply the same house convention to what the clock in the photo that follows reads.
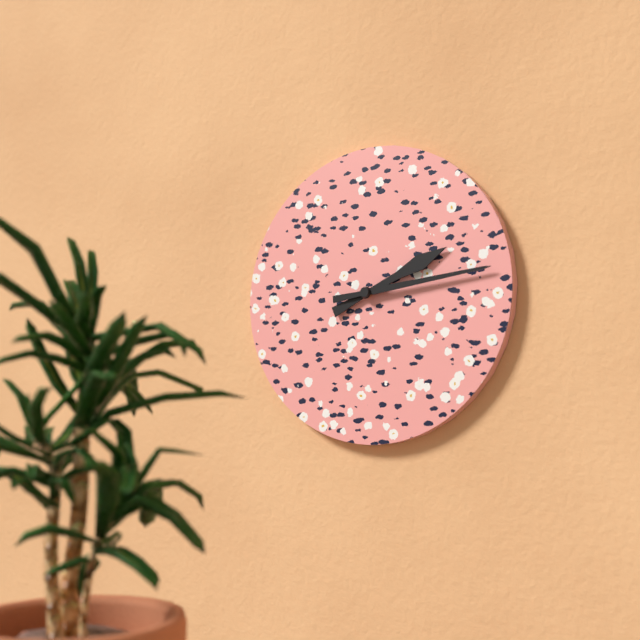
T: 2 h 14 min
